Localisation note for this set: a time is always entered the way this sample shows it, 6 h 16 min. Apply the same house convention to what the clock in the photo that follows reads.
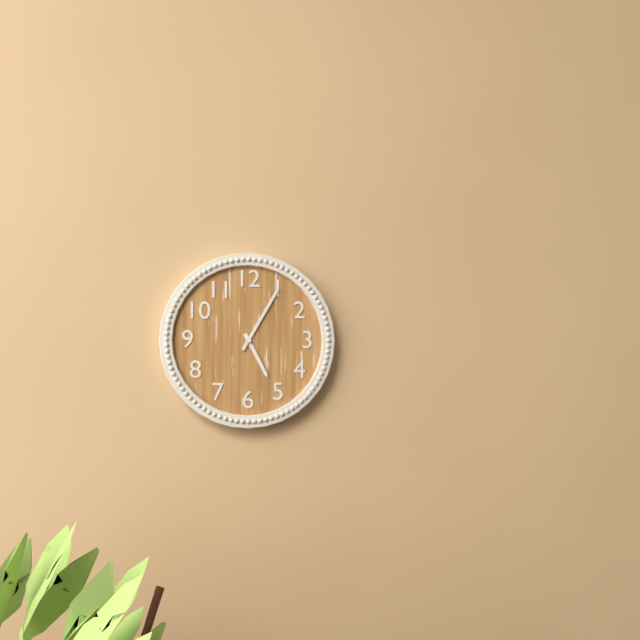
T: 5 h 05 min
